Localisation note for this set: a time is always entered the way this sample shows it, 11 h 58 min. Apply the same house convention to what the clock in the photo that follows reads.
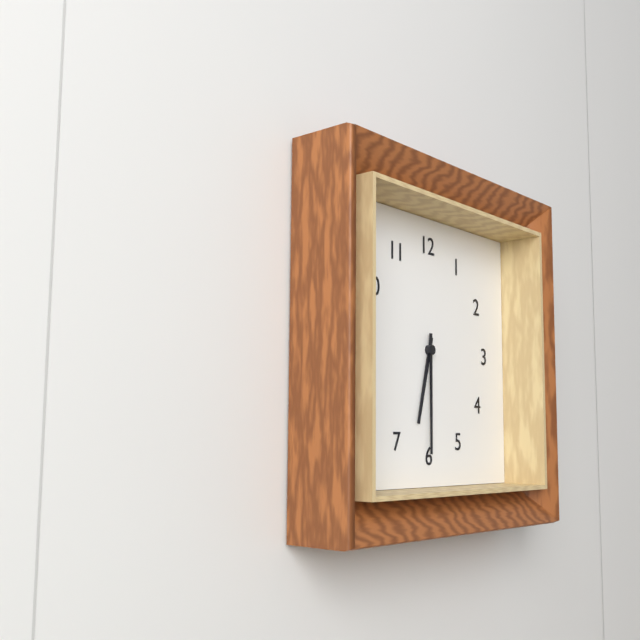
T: 6 h 30 min
